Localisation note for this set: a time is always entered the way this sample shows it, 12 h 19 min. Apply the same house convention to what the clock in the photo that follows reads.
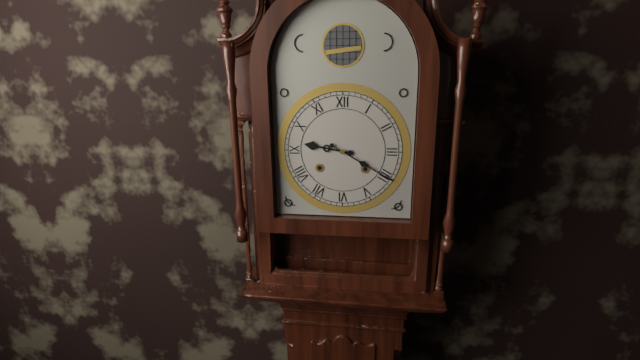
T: 9 h 20 min
